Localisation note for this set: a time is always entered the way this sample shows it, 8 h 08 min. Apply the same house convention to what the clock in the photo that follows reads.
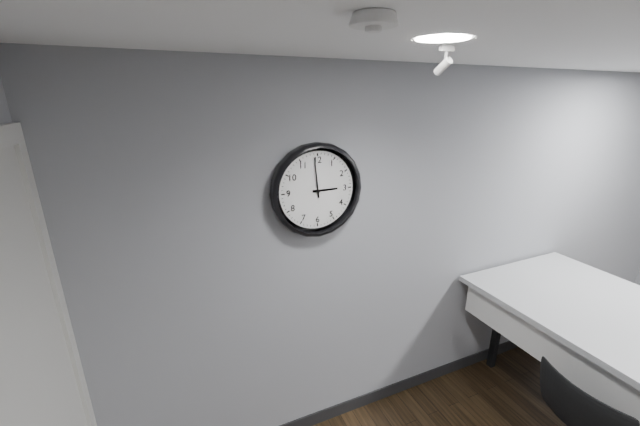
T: 2 h 59 min
